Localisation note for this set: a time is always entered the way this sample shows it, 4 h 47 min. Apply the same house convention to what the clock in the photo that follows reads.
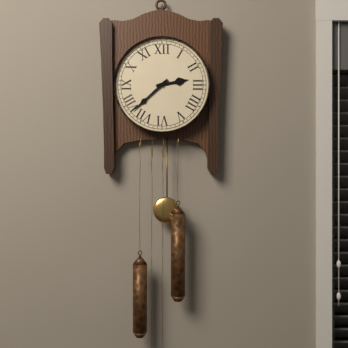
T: 2 h 38 min
